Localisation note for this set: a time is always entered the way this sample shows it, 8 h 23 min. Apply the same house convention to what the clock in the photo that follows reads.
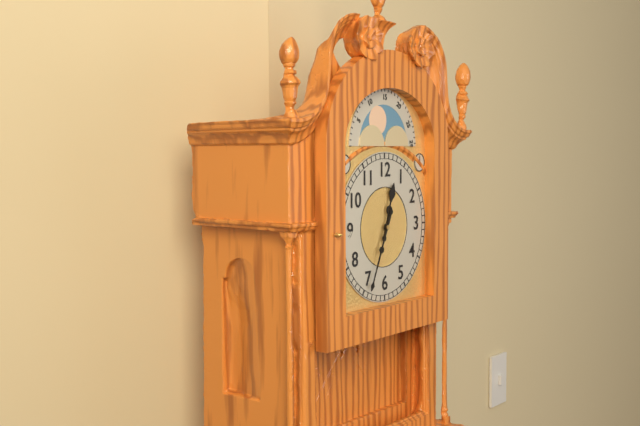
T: 12 h 34 min
